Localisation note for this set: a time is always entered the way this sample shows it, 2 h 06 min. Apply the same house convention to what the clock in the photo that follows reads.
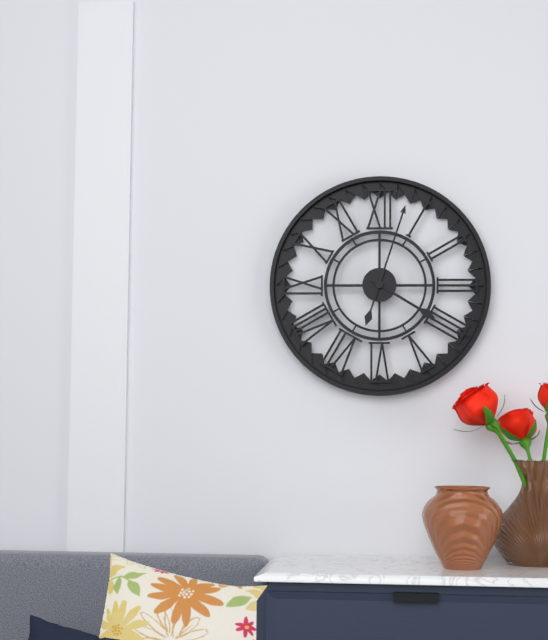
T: 4 h 03 min
